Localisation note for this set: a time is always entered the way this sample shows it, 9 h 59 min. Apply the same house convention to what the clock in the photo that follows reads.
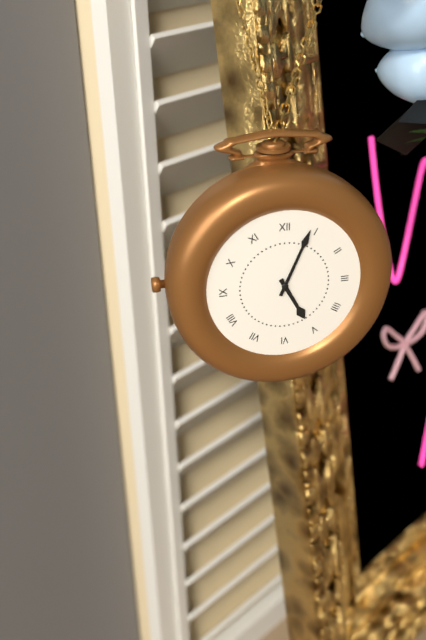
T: 5 h 04 min
